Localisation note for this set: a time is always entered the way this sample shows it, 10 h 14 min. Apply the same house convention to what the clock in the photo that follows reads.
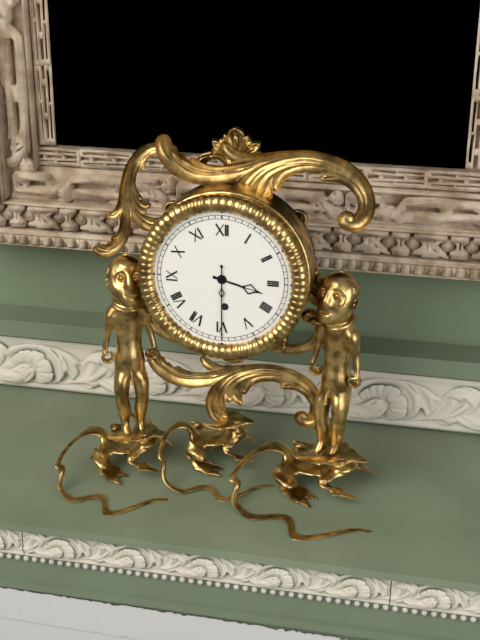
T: 3 h 30 min
